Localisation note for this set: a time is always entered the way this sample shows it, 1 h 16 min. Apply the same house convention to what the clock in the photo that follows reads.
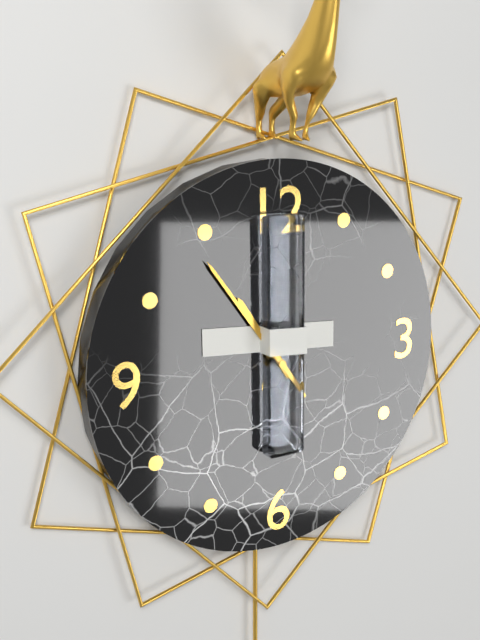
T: 10 h 54 min
